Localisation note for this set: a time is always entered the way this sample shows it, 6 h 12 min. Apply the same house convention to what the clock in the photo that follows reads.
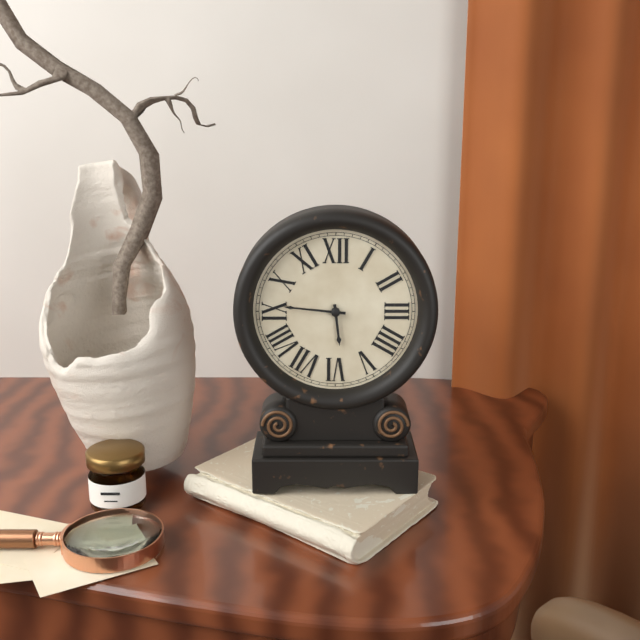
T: 5 h 46 min
